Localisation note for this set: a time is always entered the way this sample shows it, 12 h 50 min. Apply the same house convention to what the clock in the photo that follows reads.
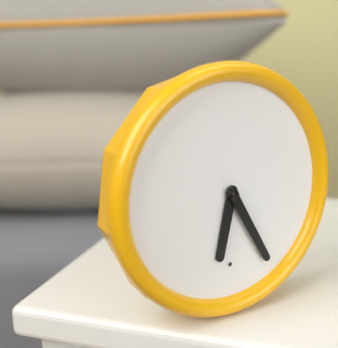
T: 6 h 25 min
